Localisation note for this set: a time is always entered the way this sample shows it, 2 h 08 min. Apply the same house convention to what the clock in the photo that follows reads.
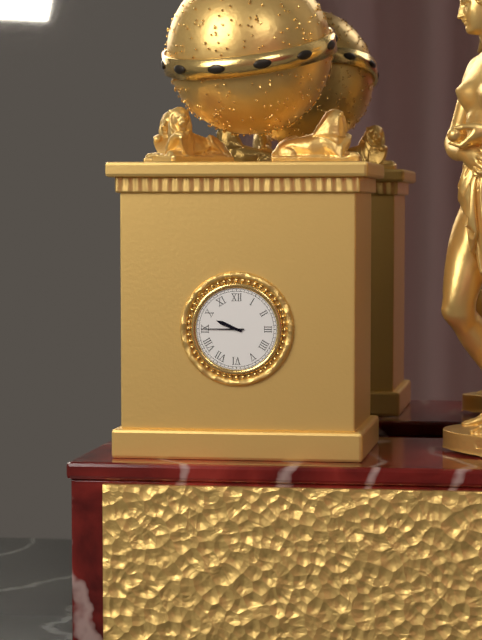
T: 9 h 45 min
